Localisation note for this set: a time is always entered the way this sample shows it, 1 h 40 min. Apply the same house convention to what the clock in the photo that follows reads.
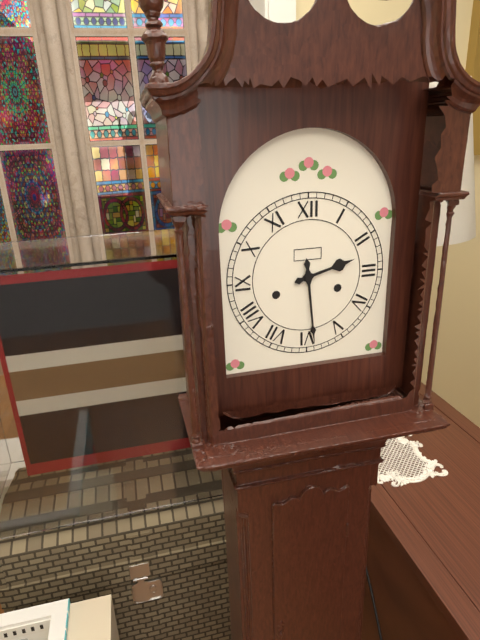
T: 2 h 29 min
